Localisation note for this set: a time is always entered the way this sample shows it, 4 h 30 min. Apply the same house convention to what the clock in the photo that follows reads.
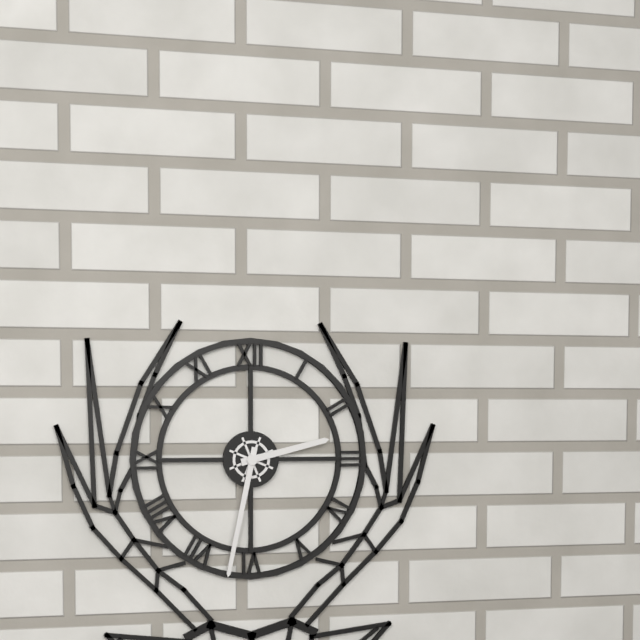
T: 2 h 32 min
